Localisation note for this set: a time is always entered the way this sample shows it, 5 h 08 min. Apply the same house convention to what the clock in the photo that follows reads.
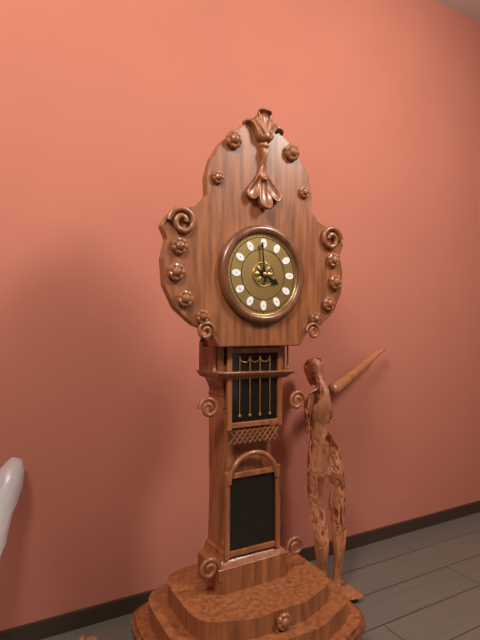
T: 3 h 59 min
